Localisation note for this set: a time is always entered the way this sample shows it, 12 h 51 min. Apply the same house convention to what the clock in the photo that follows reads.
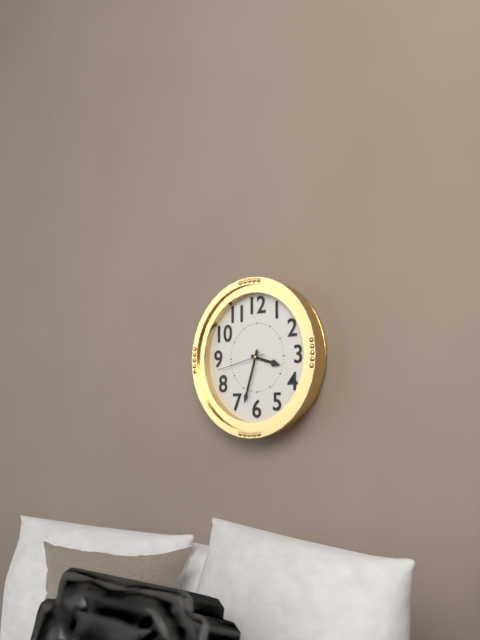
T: 3 h 33 min
